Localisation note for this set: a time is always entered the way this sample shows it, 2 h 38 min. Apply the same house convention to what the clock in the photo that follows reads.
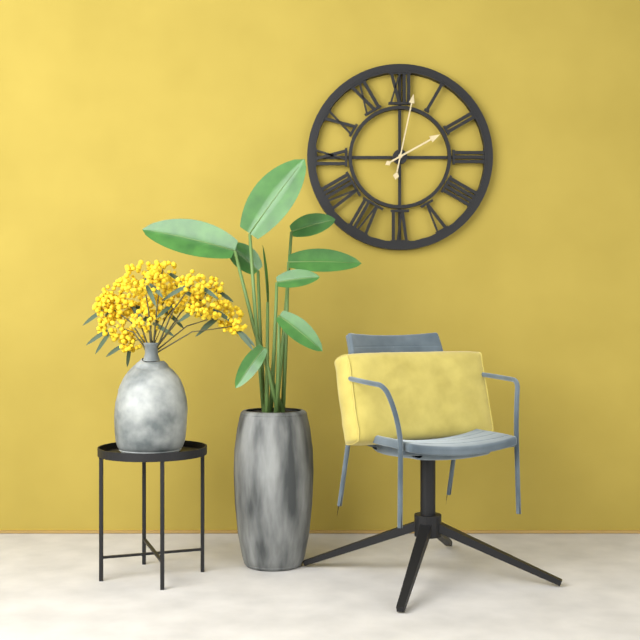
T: 2 h 02 min
